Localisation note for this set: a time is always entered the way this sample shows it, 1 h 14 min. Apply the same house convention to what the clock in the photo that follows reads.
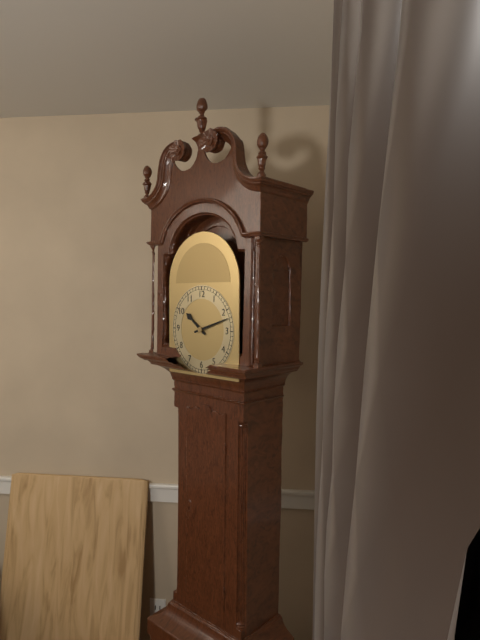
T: 10 h 12 min
